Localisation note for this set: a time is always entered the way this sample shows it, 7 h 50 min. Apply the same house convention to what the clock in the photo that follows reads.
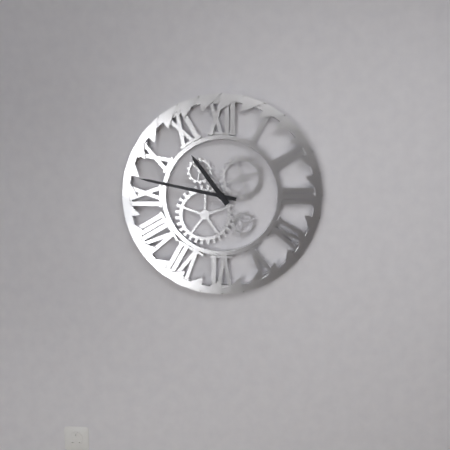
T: 10 h 47 min
